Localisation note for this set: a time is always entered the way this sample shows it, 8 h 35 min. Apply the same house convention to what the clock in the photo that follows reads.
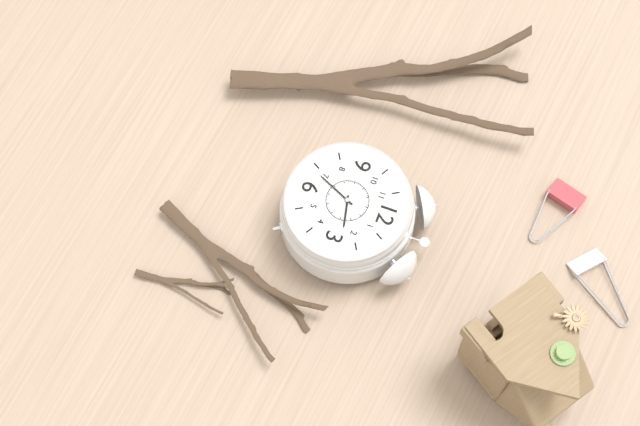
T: 2 h 34 min
